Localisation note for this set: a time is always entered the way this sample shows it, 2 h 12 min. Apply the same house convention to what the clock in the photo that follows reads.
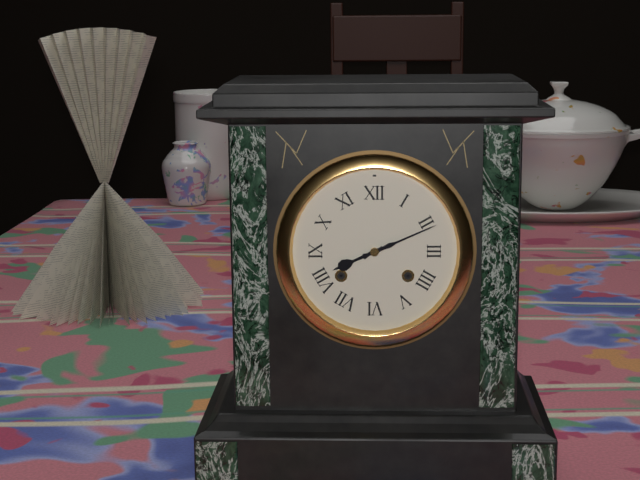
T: 8 h 11 min
